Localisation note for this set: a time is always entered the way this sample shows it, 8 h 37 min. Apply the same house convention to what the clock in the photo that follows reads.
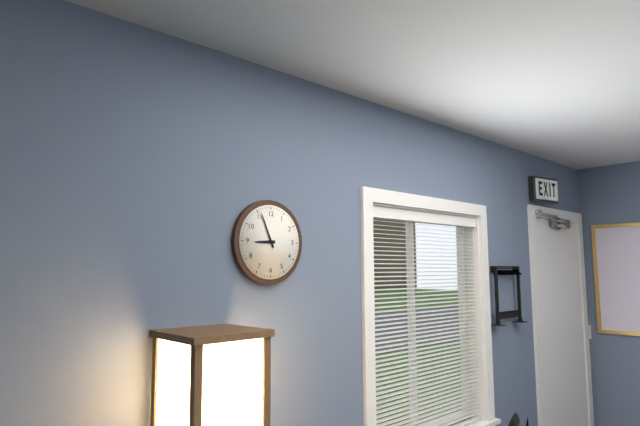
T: 8 h 56 min
